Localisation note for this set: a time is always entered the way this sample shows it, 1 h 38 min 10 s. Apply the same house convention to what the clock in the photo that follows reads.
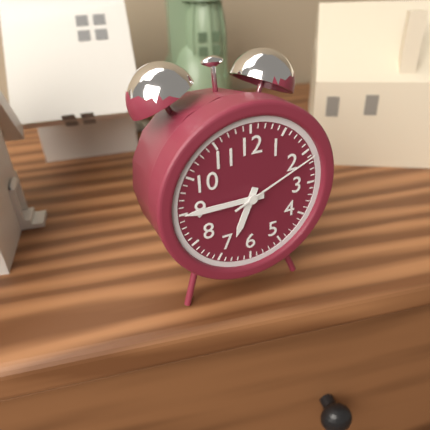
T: 6 h 45 min 11 s
